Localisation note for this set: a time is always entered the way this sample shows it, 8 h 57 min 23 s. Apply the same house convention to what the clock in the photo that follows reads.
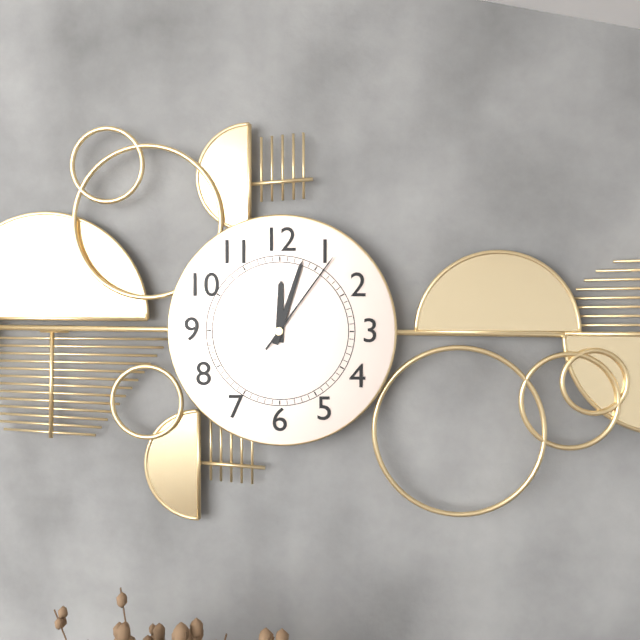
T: 12 h 03 min 06 s
